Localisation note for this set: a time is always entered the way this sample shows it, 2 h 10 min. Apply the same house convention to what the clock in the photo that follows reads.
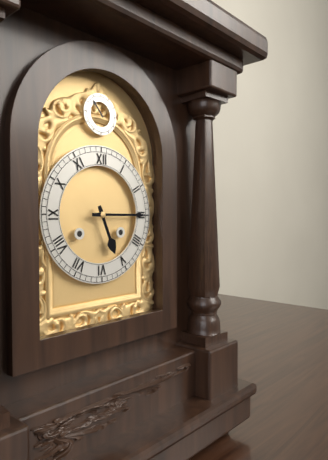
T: 5 h 15 min
